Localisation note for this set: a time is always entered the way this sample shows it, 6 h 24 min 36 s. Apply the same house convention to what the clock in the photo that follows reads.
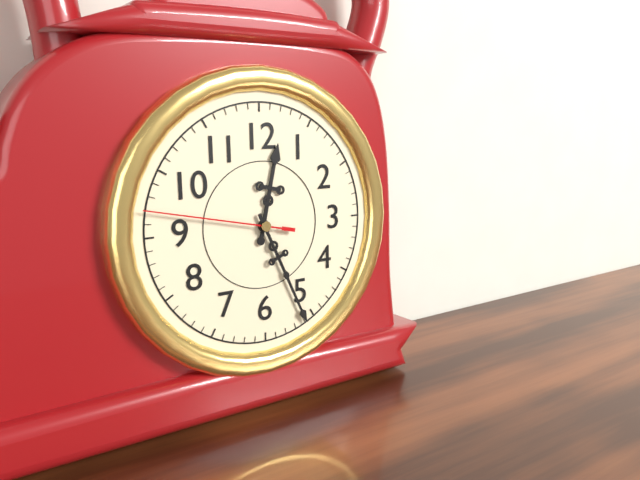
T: 12 h 26 min 47 s
